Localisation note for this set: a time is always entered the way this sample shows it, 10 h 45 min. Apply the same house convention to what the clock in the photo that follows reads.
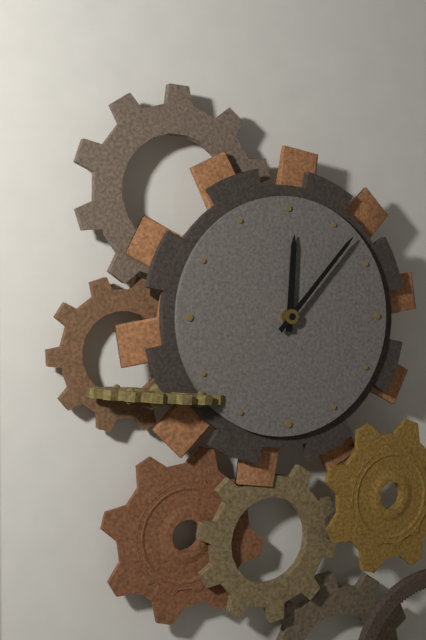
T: 12 h 07 min
